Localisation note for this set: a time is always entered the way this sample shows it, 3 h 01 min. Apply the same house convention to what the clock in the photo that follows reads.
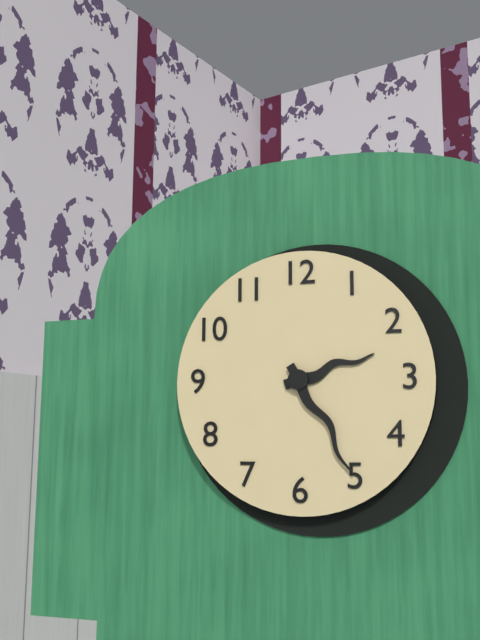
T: 2 h 25 min
